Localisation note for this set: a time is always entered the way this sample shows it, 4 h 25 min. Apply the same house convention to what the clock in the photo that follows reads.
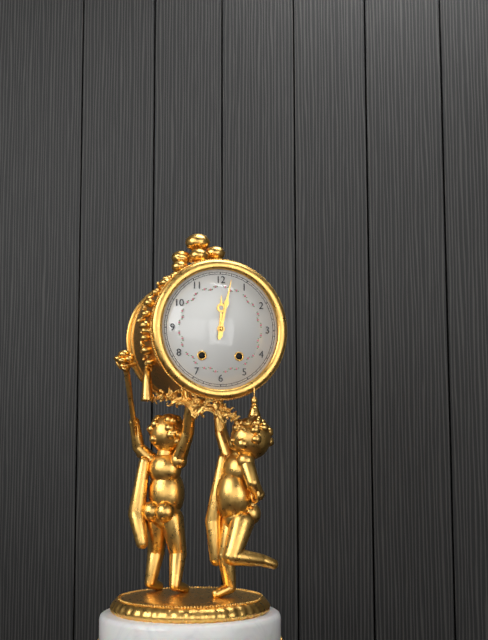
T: 12 h 02 min
